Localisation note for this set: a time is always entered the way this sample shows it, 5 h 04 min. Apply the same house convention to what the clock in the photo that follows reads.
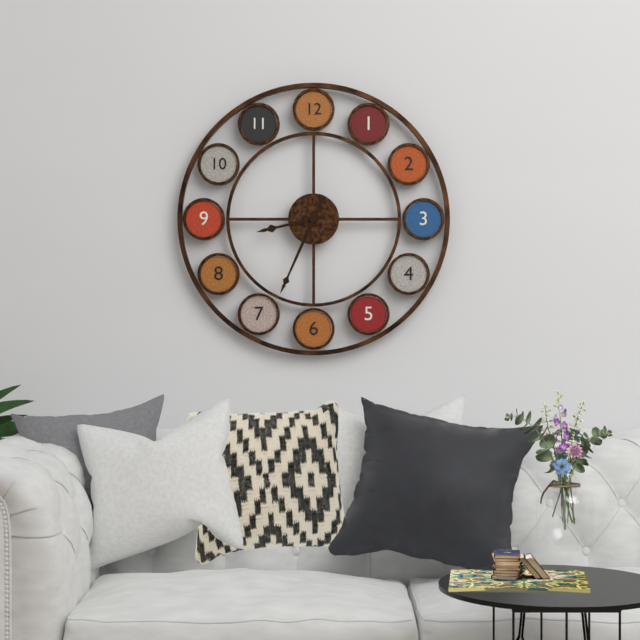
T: 8 h 34 min
